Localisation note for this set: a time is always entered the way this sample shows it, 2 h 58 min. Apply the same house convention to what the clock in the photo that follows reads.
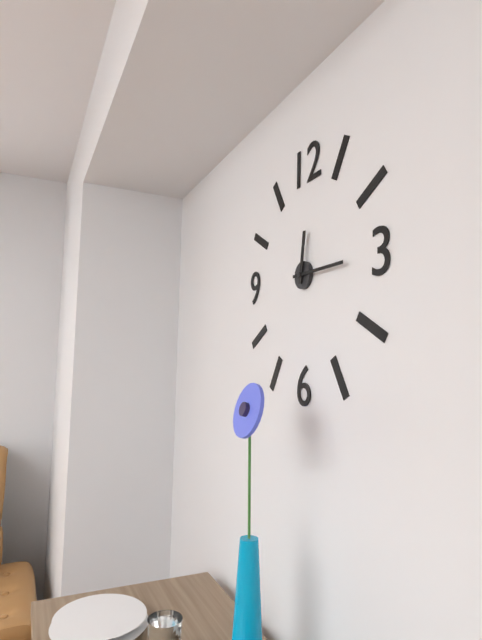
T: 12 h 15 min
